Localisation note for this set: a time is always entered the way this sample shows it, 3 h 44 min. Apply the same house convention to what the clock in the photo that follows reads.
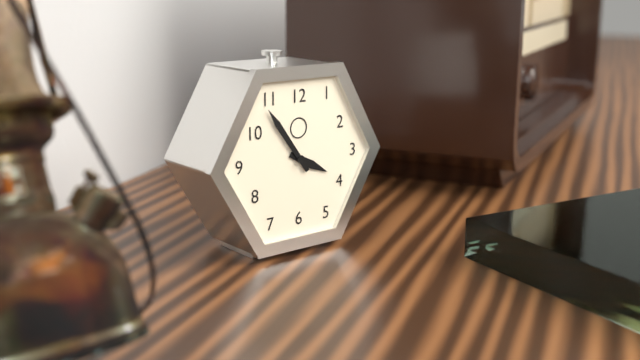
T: 3 h 54 min
